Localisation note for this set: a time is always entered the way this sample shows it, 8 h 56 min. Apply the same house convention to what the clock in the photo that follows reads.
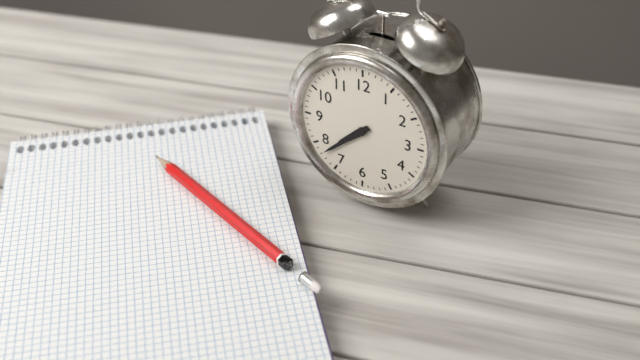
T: 7 h 38 min
